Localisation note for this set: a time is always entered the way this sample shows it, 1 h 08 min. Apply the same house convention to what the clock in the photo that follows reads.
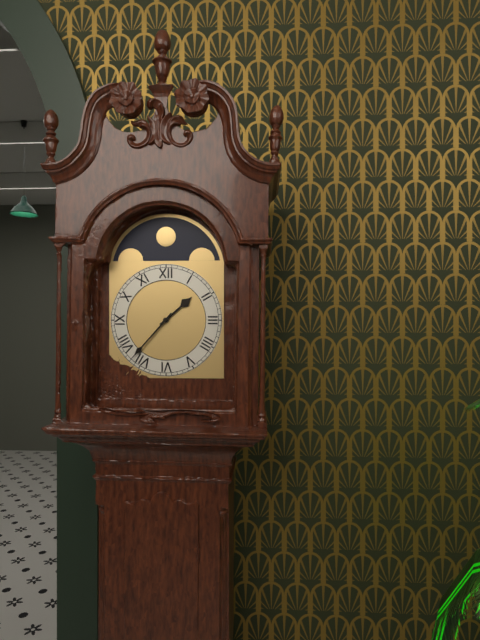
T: 1 h 37 min
